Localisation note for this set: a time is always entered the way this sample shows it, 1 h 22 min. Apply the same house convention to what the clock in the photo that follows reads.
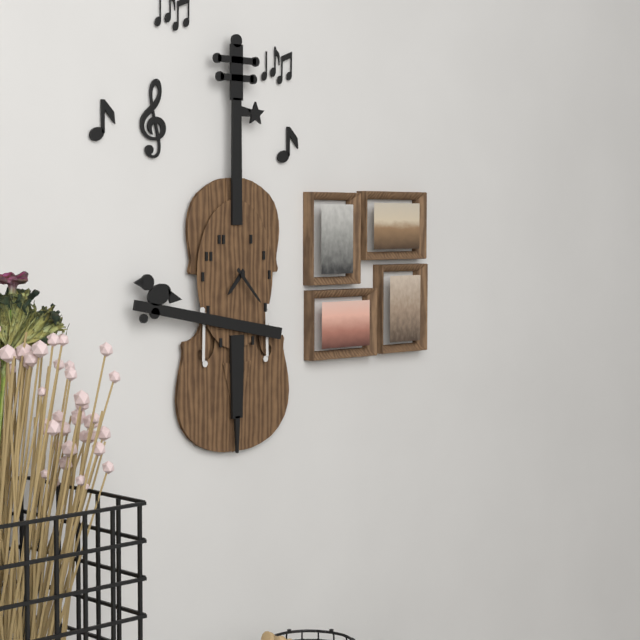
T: 7 h 23 min
